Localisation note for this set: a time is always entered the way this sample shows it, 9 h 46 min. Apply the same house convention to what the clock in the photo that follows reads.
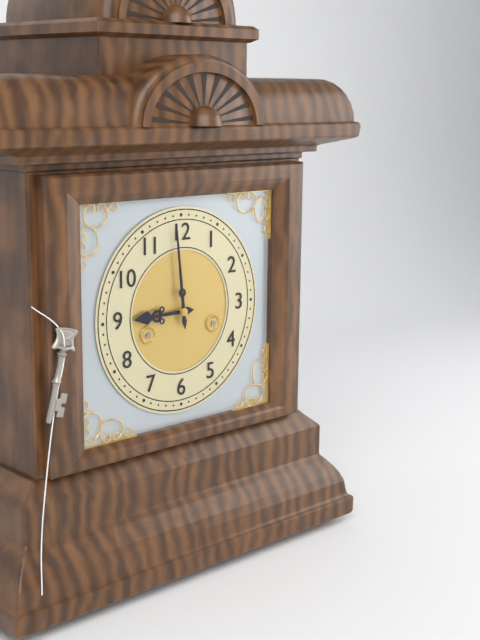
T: 8 h 59 min
